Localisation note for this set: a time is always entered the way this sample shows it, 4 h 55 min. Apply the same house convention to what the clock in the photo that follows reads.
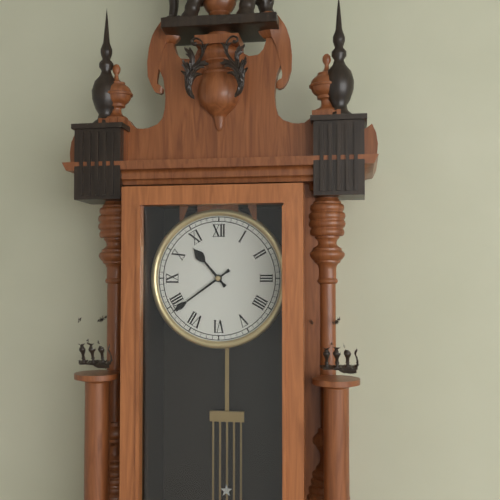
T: 10 h 39 min
